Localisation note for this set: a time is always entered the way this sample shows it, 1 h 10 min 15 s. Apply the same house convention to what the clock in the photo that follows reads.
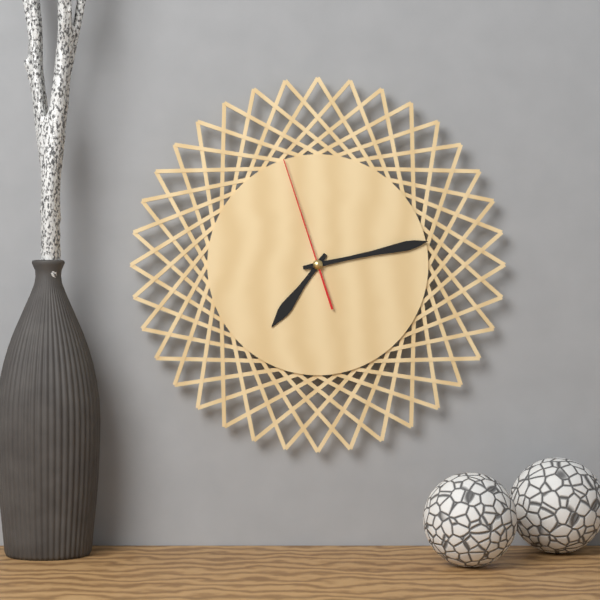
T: 7 h 13 min 57 s
